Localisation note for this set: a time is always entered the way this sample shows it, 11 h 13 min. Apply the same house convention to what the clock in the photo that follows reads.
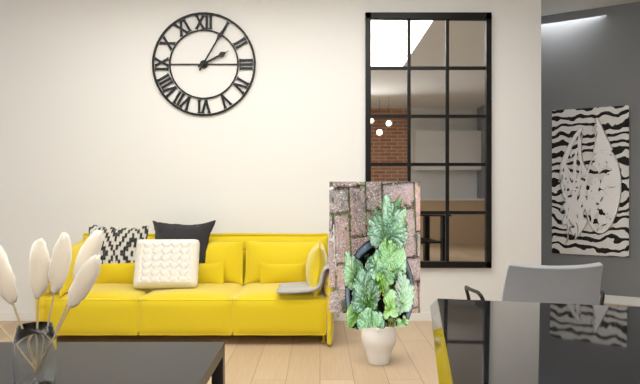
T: 2 h 05 min
